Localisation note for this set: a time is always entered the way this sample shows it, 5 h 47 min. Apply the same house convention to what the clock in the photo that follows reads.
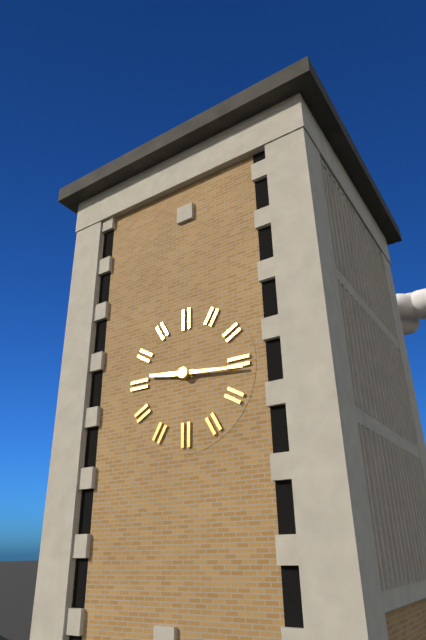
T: 9 h 16 min
